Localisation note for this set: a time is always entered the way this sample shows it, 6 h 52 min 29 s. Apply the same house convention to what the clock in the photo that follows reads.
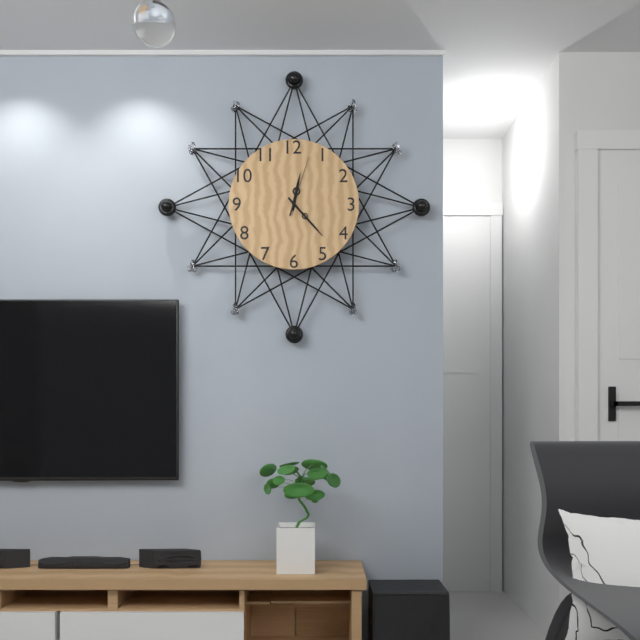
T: 12 h 23 min 03 s
